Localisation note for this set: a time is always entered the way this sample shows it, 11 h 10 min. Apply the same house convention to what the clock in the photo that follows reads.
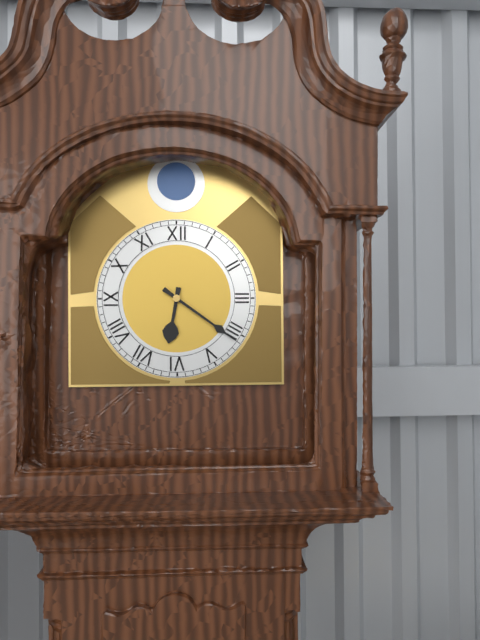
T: 6 h 21 min
